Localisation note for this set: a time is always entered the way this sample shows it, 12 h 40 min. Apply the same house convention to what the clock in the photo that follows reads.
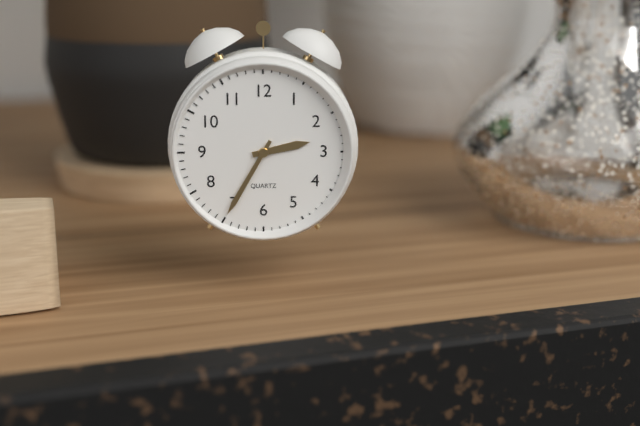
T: 2 h 35 min
